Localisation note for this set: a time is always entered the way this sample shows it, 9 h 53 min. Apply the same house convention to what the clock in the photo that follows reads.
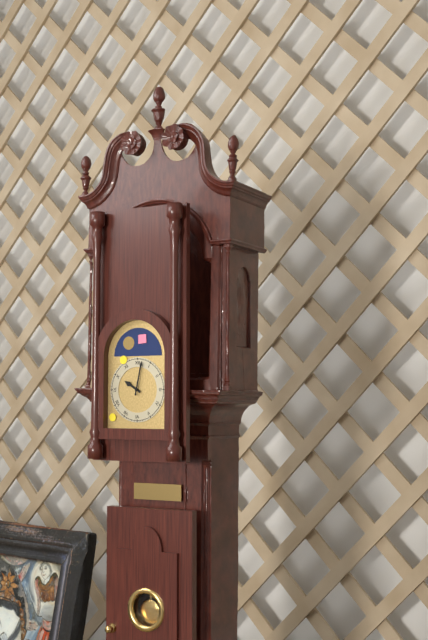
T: 10 h 02 min
